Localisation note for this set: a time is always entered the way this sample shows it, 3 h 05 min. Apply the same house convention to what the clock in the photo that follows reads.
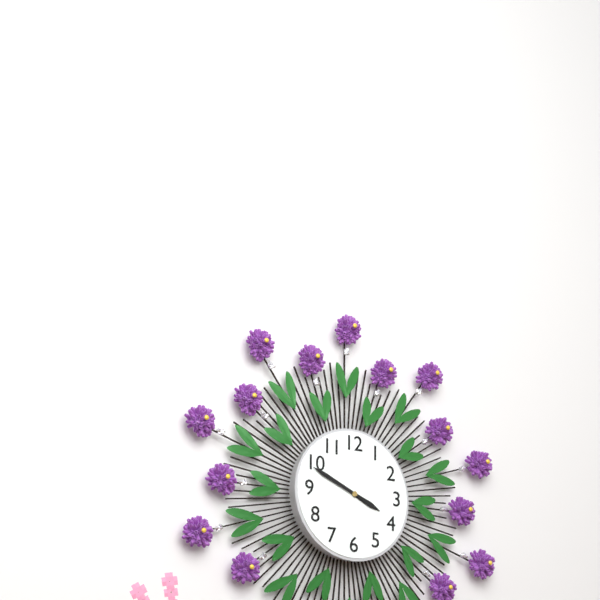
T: 3 h 49 min
